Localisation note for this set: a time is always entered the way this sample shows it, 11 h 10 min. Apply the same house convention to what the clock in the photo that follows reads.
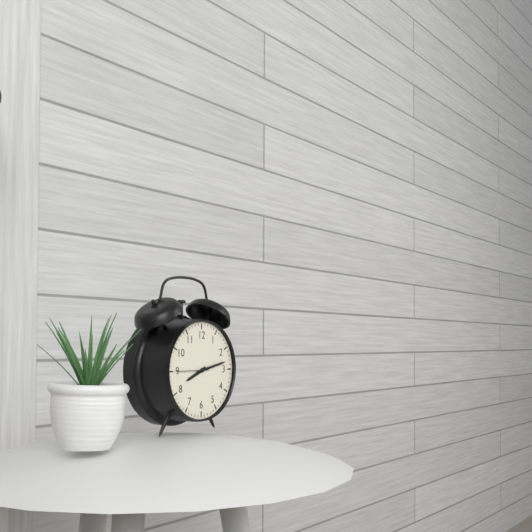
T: 8 h 13 min
